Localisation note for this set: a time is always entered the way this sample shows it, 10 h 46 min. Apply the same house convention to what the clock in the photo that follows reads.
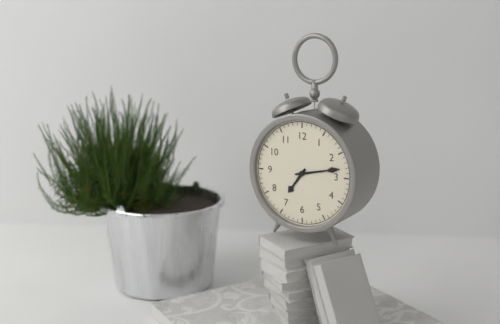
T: 7 h 13 min
